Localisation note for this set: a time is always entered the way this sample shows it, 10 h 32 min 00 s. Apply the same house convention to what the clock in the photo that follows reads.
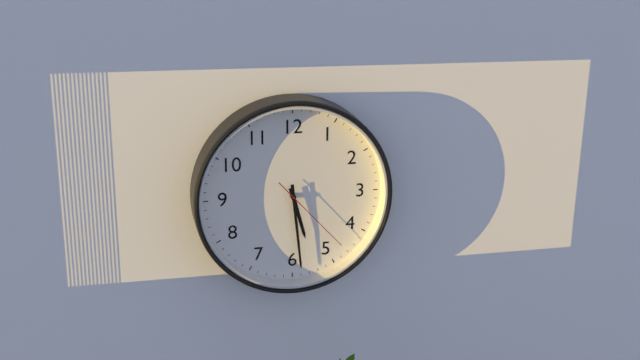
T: 5 h 29 min 23 s
